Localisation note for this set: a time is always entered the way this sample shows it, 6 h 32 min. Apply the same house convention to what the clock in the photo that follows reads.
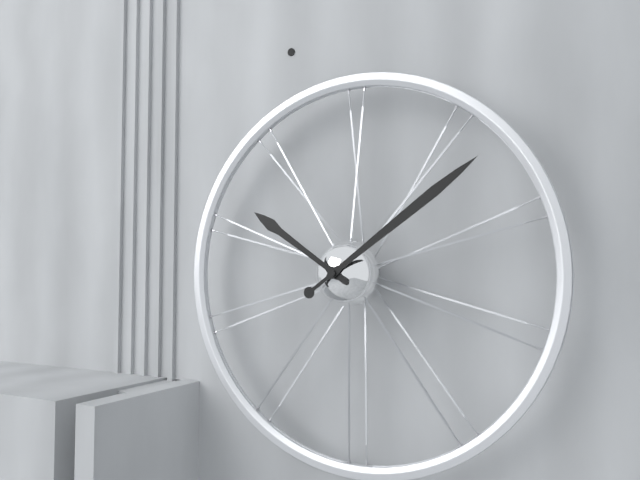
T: 10 h 09 min
